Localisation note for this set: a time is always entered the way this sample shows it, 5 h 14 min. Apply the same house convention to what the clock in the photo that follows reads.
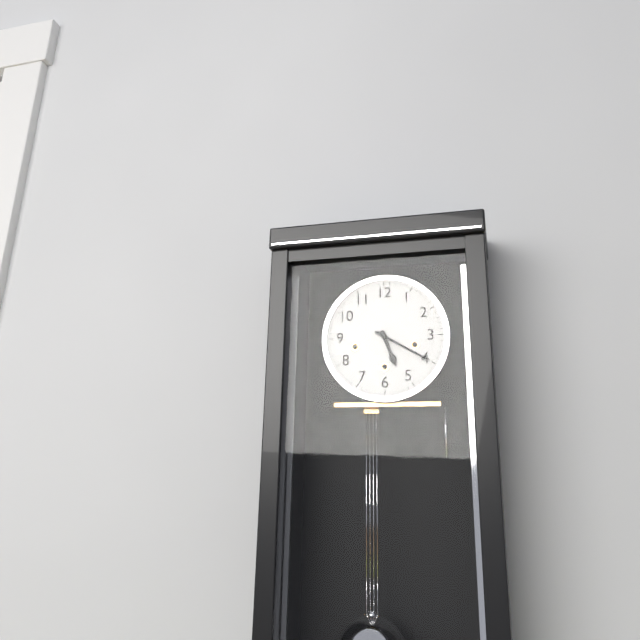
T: 5 h 20 min
